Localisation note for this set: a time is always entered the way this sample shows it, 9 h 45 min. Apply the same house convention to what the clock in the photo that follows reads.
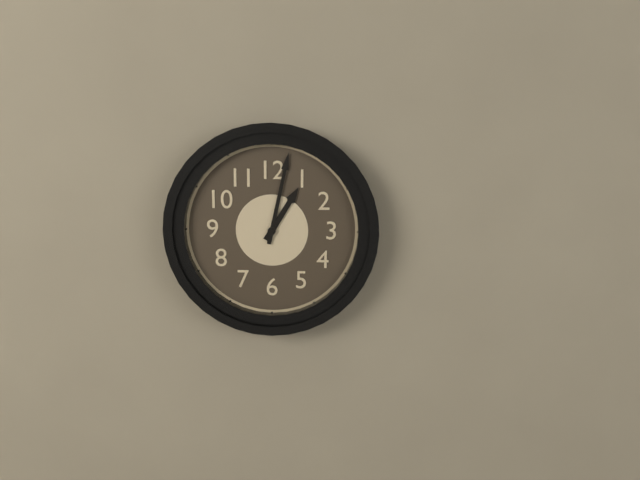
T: 1 h 02 min
